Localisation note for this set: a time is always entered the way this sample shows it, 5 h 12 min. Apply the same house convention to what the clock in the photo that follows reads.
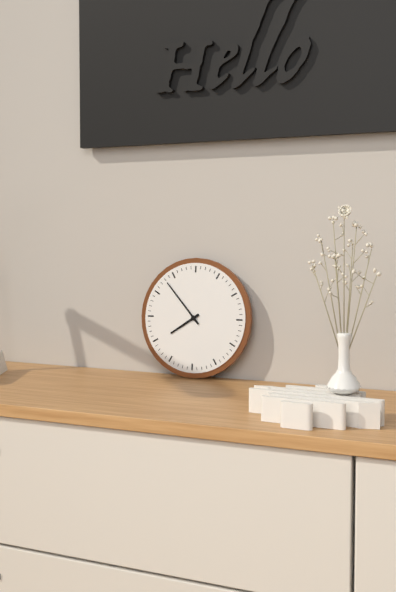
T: 7 h 53 min
